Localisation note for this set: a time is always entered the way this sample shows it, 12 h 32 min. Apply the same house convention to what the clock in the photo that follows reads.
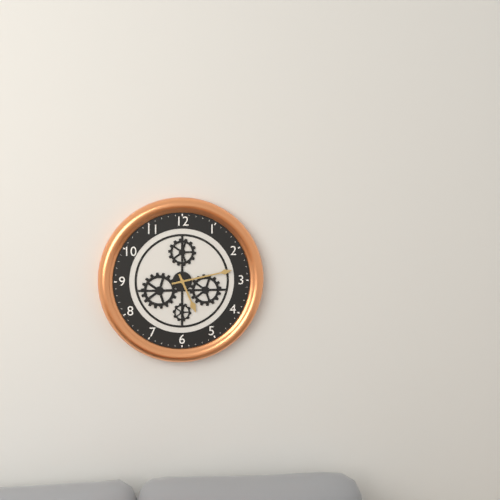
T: 5 h 13 min
